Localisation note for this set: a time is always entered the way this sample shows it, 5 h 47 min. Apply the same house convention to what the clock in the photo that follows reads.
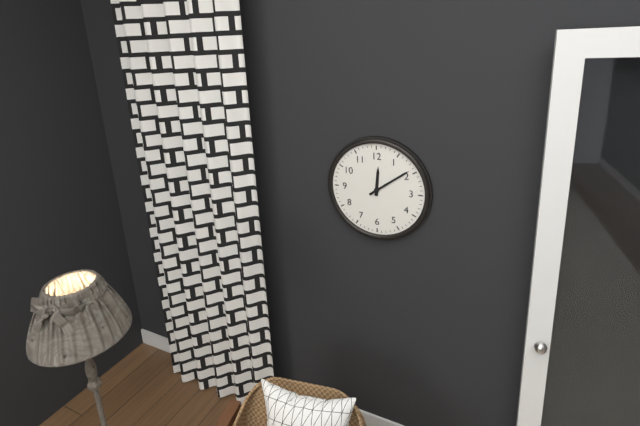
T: 12 h 09 min
